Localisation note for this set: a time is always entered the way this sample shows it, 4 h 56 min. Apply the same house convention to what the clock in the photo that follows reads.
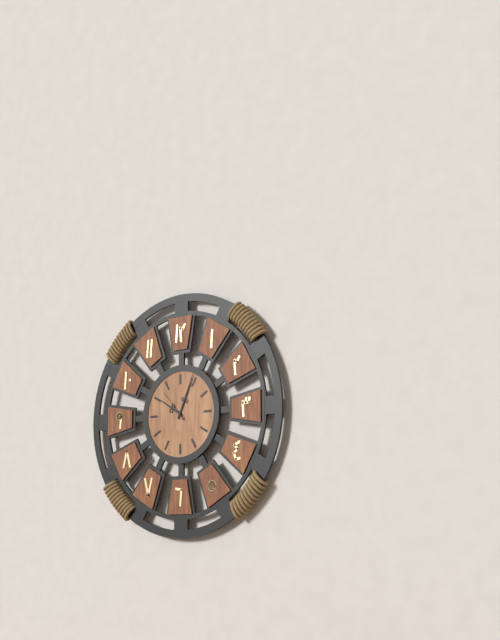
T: 10 h 04 min
